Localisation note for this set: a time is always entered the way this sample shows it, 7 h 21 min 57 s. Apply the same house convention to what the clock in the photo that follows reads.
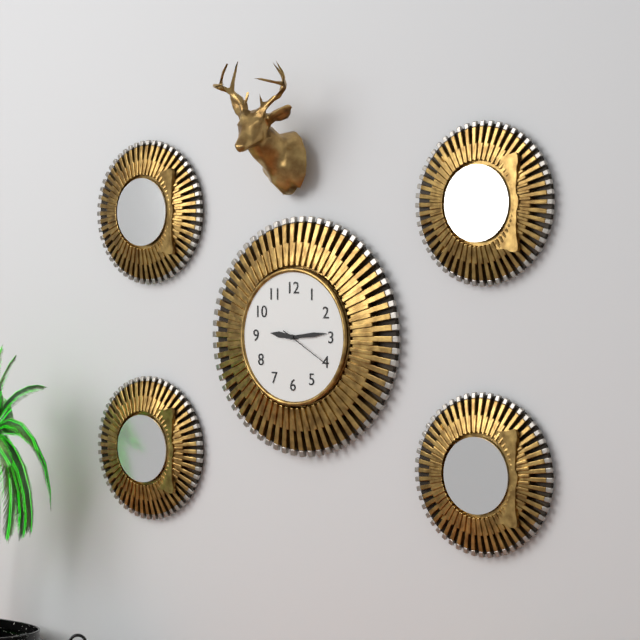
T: 9 h 14 min 20 s
